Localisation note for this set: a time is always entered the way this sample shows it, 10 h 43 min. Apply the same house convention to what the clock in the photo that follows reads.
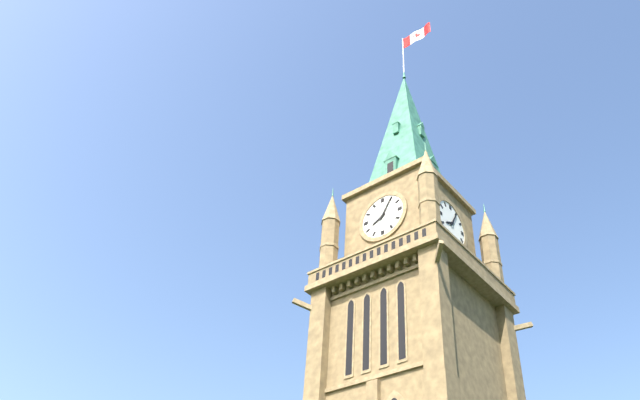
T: 8 h 05 min
